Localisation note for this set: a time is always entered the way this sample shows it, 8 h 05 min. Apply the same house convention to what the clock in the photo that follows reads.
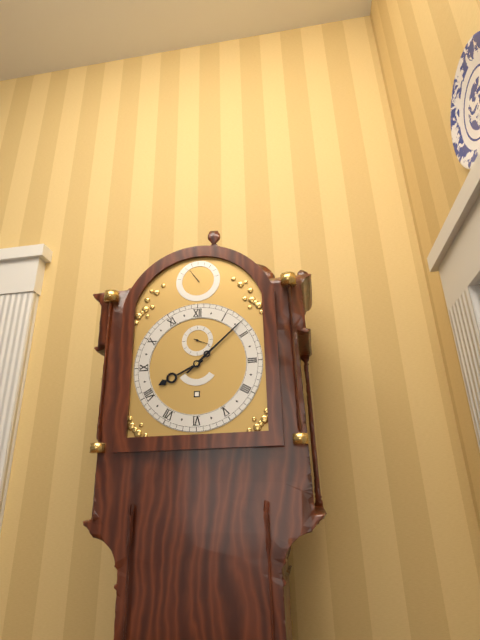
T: 8 h 08 min
